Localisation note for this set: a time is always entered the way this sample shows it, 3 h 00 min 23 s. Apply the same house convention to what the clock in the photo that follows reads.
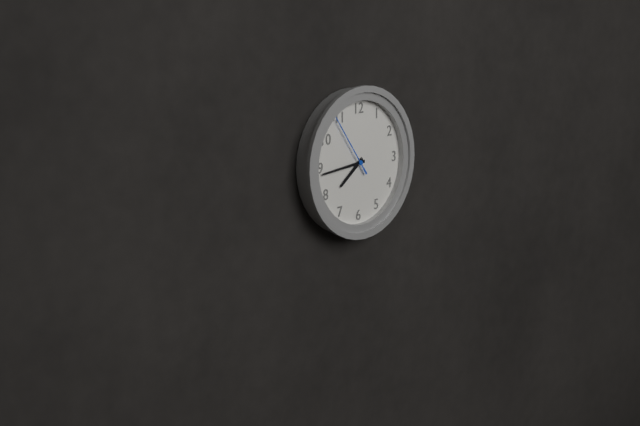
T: 7 h 44 min 54 s
